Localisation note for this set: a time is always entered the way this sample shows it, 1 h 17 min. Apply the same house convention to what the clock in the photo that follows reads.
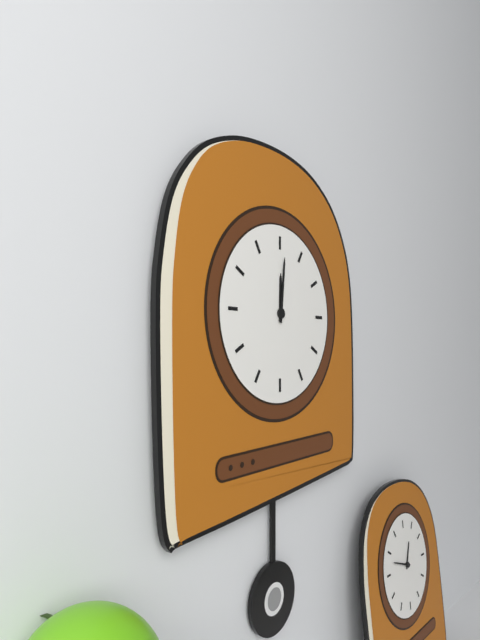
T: 12 h 01 min
